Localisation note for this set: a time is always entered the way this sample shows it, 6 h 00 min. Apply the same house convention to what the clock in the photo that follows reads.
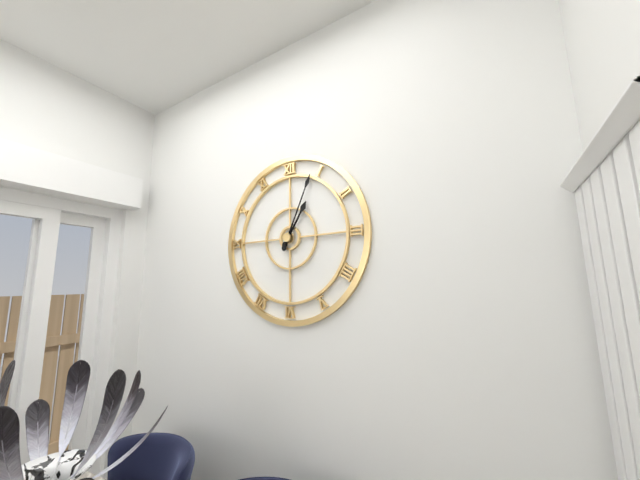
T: 1 h 04 min
